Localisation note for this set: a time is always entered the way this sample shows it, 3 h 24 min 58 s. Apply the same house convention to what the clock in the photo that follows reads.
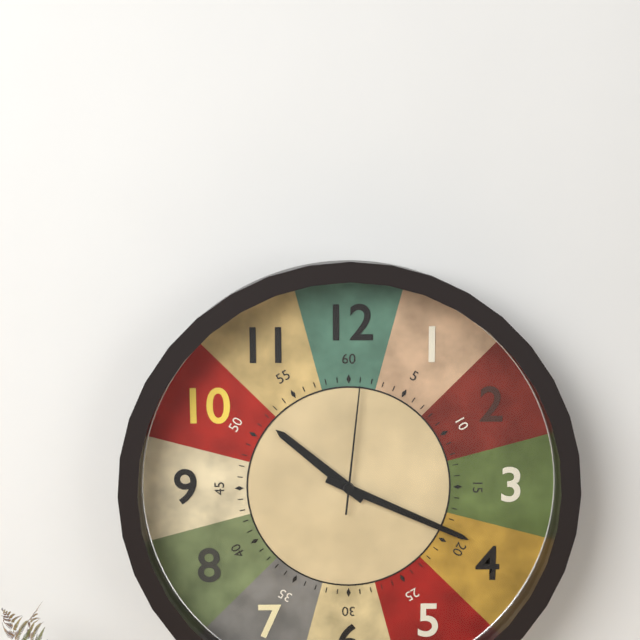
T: 10 h 19 min 01 s
